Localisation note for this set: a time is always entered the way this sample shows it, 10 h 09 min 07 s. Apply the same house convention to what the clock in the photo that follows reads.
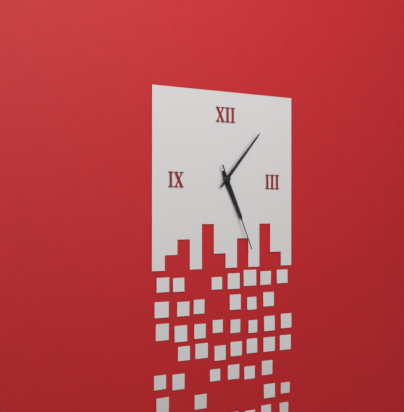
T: 5 h 07 min 26 s
